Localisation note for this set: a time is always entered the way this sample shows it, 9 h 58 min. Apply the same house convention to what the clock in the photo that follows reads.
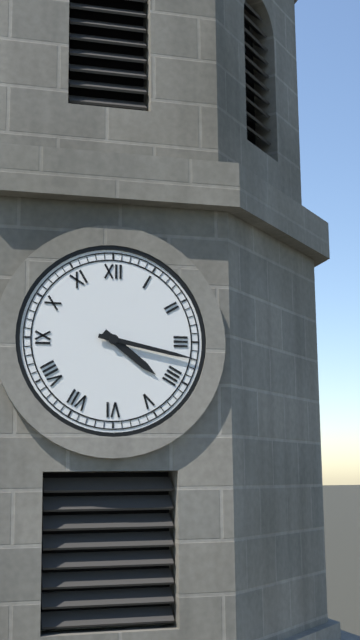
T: 4 h 17 min
